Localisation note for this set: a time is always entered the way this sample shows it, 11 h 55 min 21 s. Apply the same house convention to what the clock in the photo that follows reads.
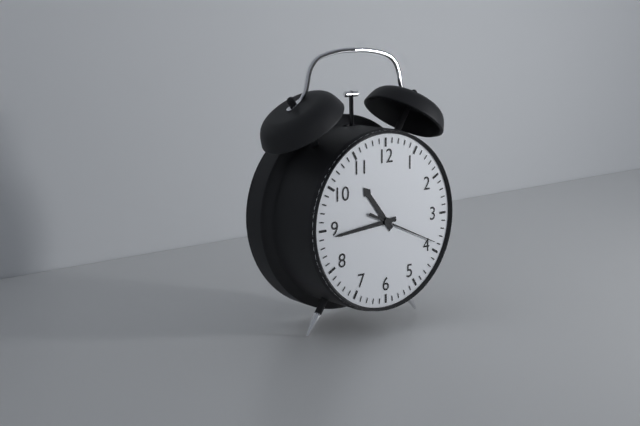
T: 10 h 44 min 19 s
